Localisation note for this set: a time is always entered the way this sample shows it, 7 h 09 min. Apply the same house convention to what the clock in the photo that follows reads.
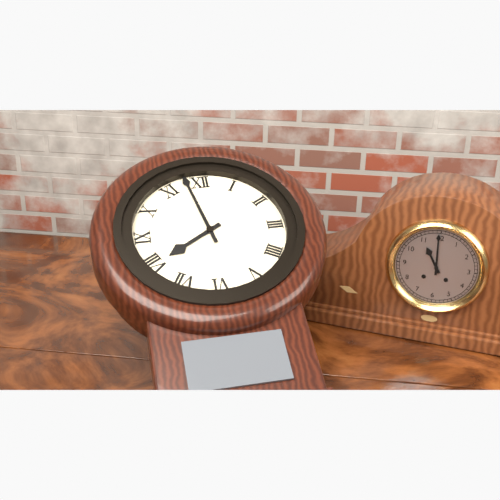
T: 7 h 58 min
